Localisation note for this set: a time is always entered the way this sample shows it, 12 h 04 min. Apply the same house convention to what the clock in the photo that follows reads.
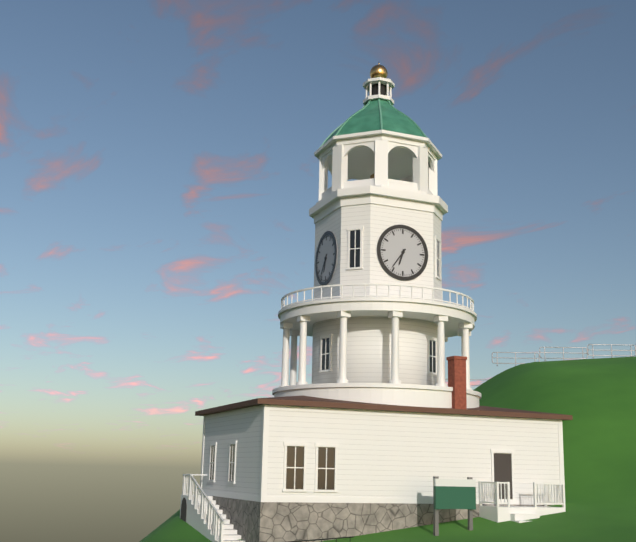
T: 6 h 36 min
